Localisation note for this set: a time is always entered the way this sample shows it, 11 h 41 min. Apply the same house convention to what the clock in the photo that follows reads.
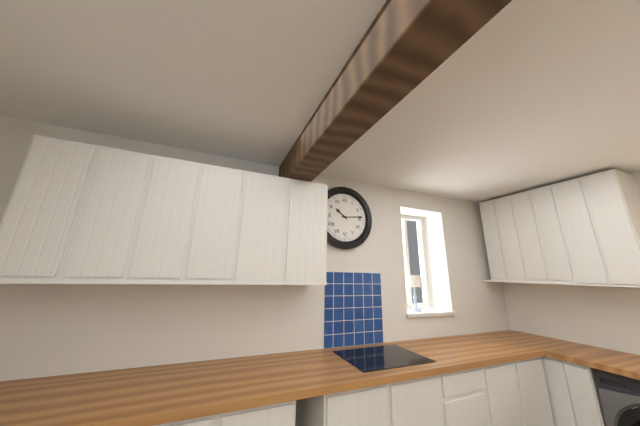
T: 10 h 14 min
